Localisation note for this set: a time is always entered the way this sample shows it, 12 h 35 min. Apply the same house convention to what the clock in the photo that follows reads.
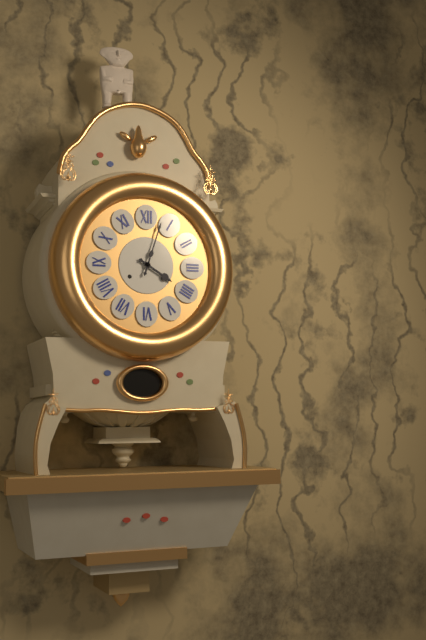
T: 4 h 03 min
